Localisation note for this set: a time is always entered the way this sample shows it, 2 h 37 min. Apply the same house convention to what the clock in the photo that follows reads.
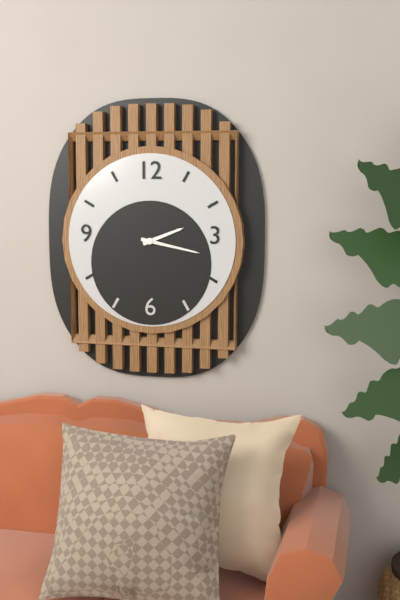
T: 2 h 17 min
